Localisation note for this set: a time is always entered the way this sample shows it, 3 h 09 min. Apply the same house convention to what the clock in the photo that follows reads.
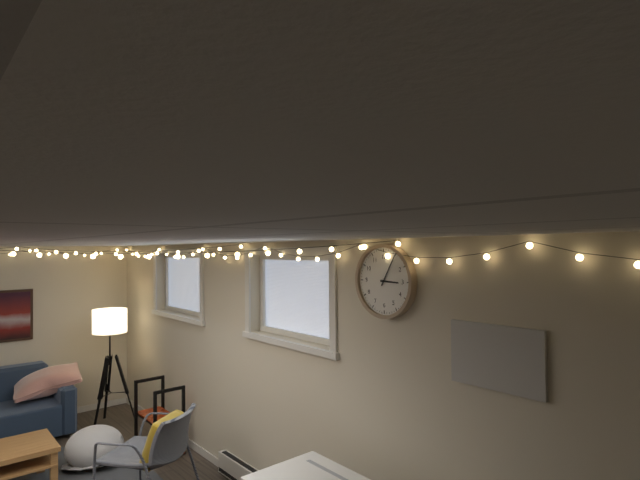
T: 3 h 05 min
